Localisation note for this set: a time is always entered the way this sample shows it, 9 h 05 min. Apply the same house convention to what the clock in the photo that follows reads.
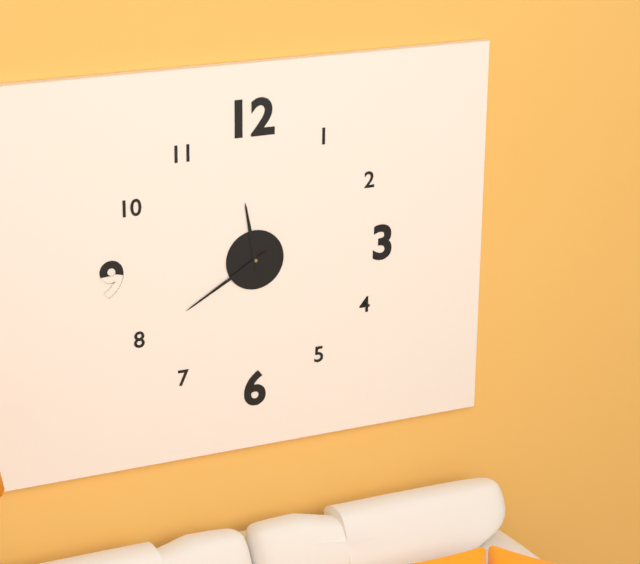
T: 11 h 40 min
